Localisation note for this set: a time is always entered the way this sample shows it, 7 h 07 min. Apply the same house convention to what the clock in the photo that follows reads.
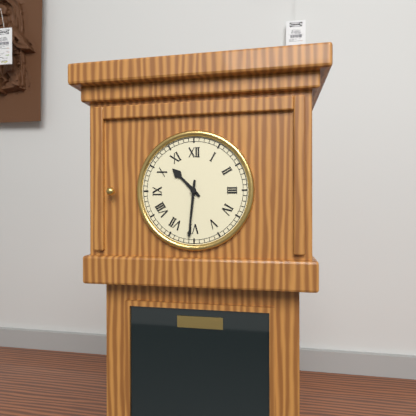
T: 10 h 31 min
